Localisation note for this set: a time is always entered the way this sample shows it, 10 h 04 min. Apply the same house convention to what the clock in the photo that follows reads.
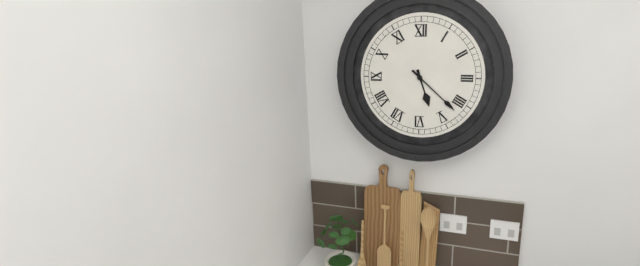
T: 5 h 22 min
